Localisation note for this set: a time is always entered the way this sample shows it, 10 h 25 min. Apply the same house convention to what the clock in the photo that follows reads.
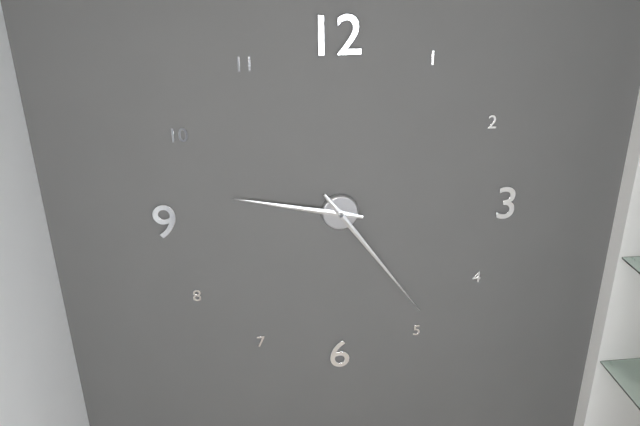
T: 9 h 24 min
